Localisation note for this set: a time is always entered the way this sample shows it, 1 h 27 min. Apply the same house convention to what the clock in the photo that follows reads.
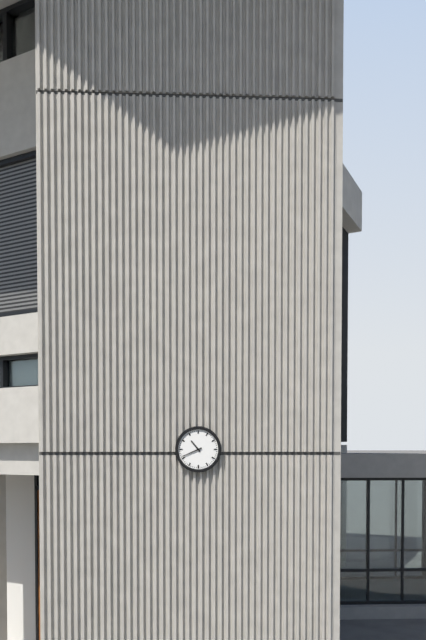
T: 10 h 41 min
